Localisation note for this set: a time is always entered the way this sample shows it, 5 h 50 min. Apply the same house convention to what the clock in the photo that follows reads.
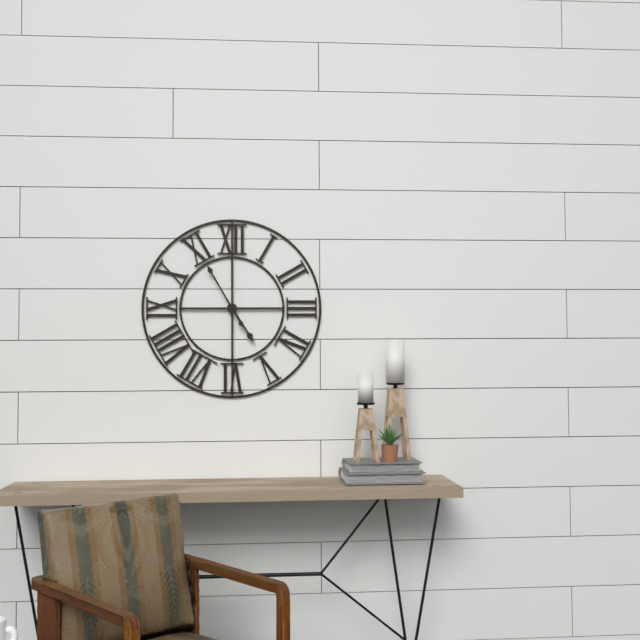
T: 4 h 55 min
